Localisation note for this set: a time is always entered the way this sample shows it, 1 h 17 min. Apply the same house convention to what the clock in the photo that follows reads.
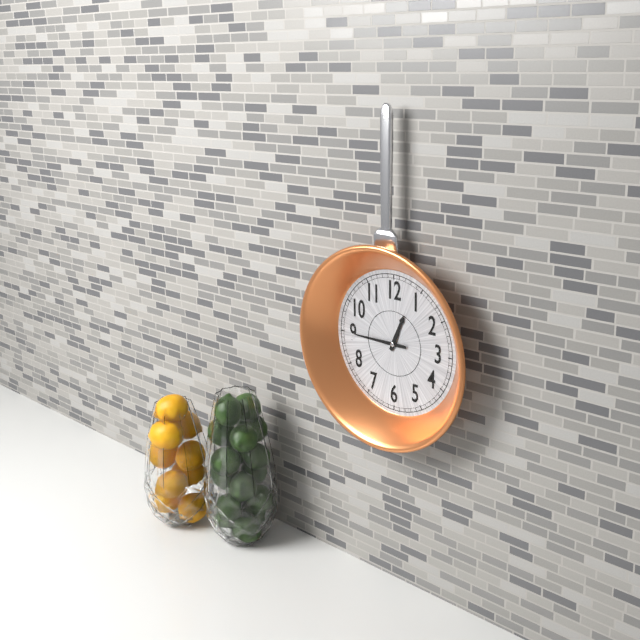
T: 12 h 45 min
